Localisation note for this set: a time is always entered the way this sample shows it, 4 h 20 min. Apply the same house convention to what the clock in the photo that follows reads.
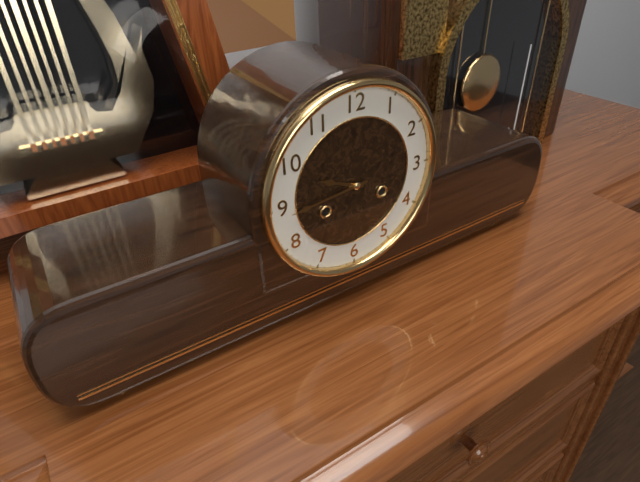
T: 9 h 44 min
